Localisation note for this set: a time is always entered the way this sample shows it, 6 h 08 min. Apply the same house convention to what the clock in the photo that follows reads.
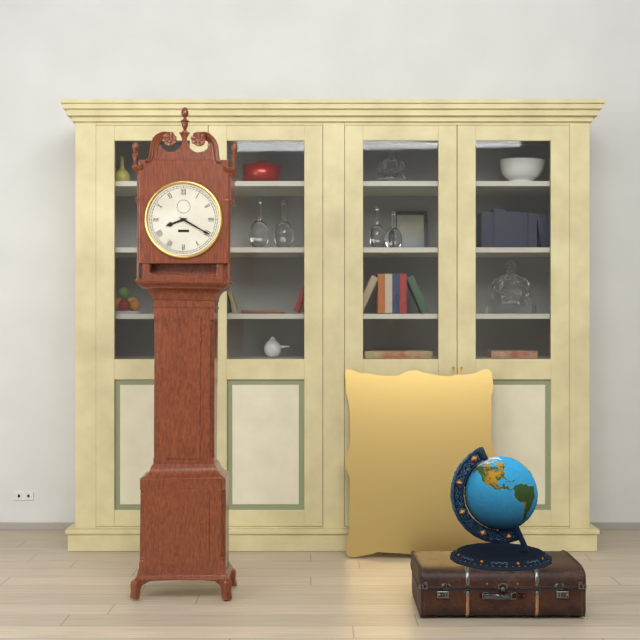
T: 8 h 20 min
